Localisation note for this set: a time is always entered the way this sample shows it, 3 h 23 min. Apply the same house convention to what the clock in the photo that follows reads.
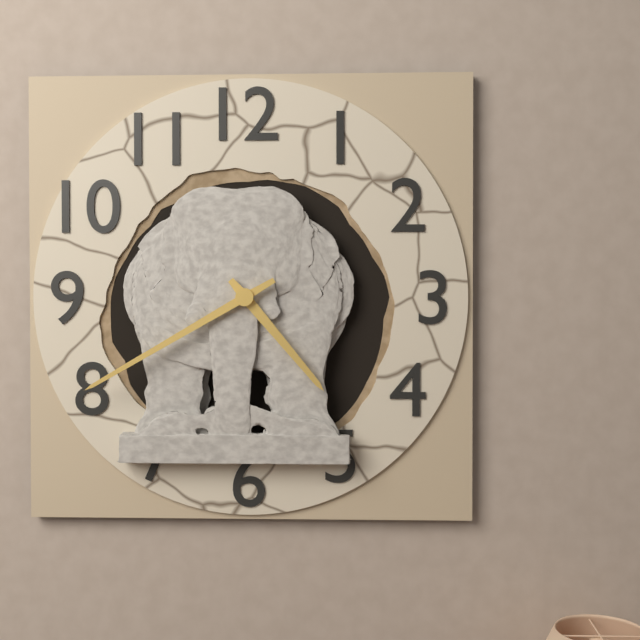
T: 4 h 40 min
